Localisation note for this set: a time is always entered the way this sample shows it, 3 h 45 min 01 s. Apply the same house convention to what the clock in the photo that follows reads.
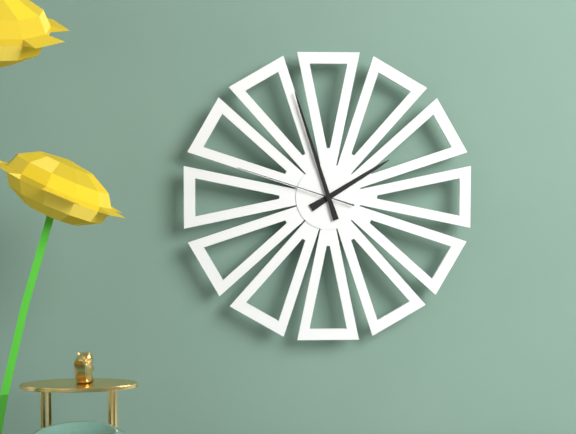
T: 1 h 57 min 48 s
